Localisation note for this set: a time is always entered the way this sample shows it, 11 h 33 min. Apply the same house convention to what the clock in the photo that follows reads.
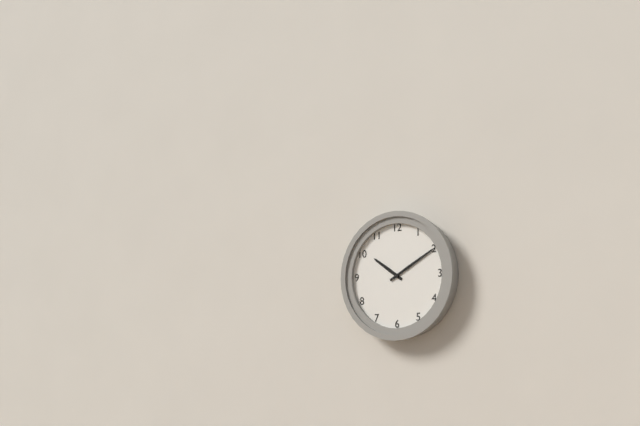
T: 10 h 10 min
